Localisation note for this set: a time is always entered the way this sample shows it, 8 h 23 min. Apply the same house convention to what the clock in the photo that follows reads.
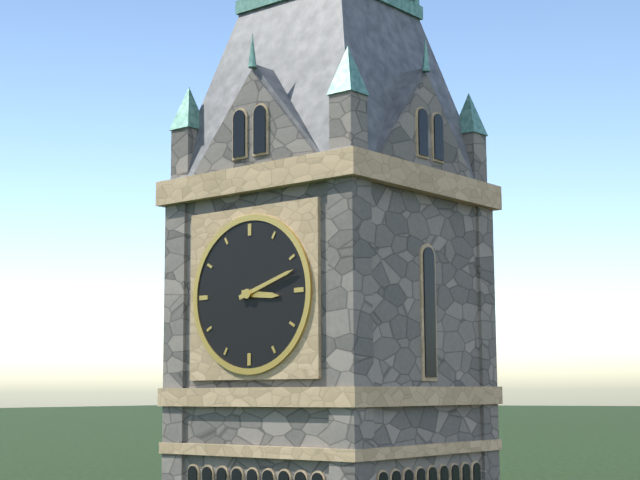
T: 3 h 12 min
